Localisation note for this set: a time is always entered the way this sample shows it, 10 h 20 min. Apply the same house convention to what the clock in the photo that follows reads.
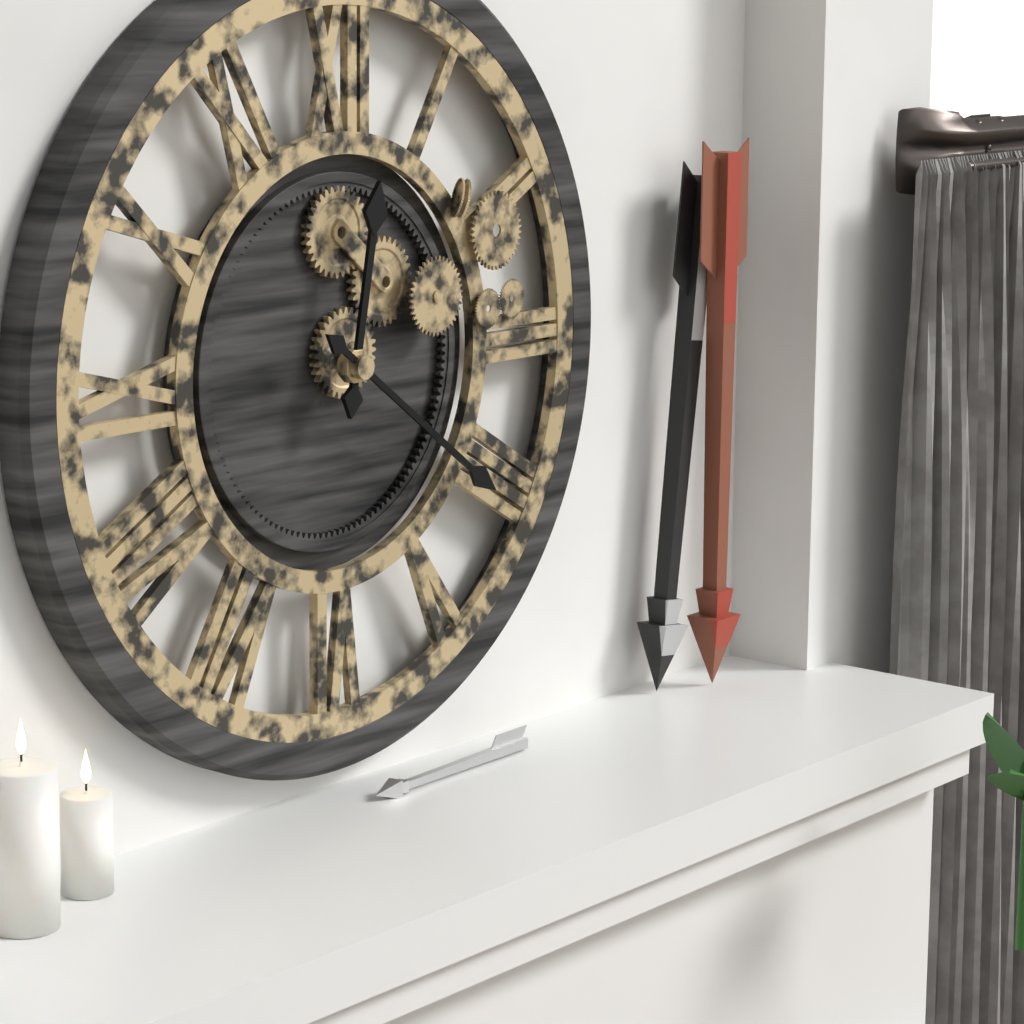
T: 12 h 21 min
